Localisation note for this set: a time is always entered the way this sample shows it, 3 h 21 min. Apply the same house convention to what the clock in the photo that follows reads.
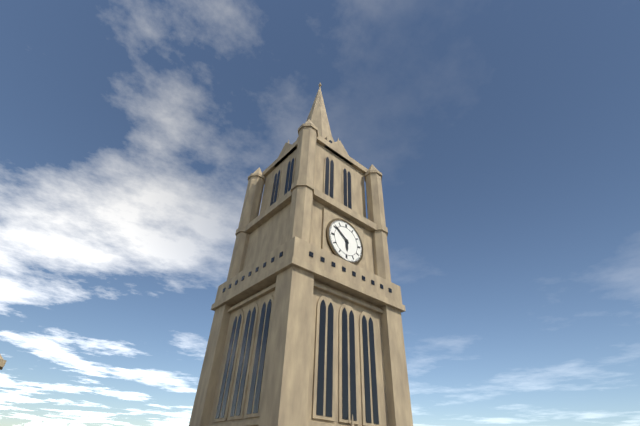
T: 5 h 51 min
